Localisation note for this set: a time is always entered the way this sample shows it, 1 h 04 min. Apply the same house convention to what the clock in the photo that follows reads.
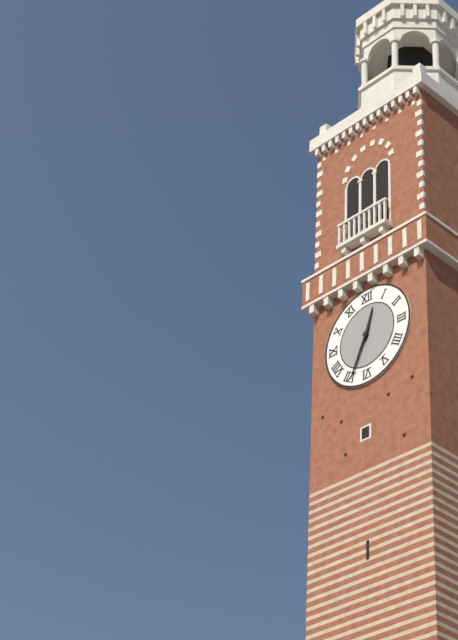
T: 12 h 34 min
